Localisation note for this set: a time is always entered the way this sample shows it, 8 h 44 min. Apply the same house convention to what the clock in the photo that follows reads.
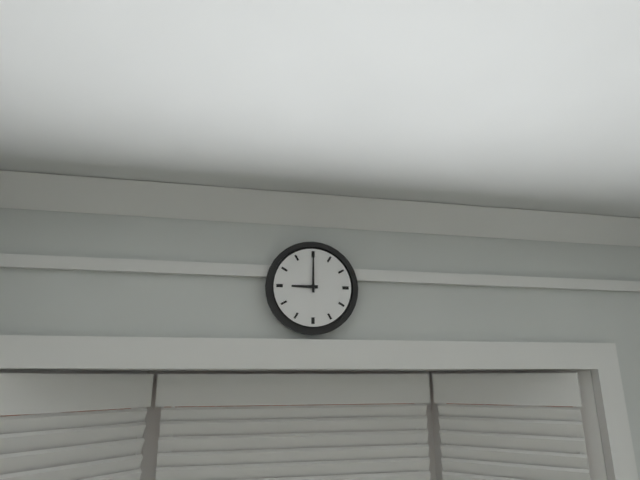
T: 9 h 00 min
